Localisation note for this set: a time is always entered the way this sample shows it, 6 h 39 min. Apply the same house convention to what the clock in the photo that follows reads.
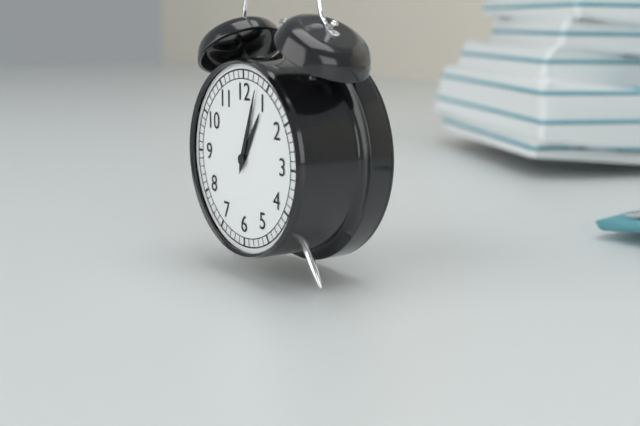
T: 1 h 03 min
